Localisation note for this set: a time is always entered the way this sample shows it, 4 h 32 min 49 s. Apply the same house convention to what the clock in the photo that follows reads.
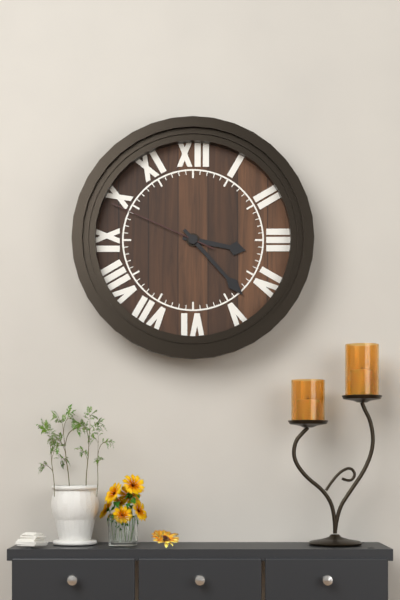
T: 3 h 23 min 49 s
